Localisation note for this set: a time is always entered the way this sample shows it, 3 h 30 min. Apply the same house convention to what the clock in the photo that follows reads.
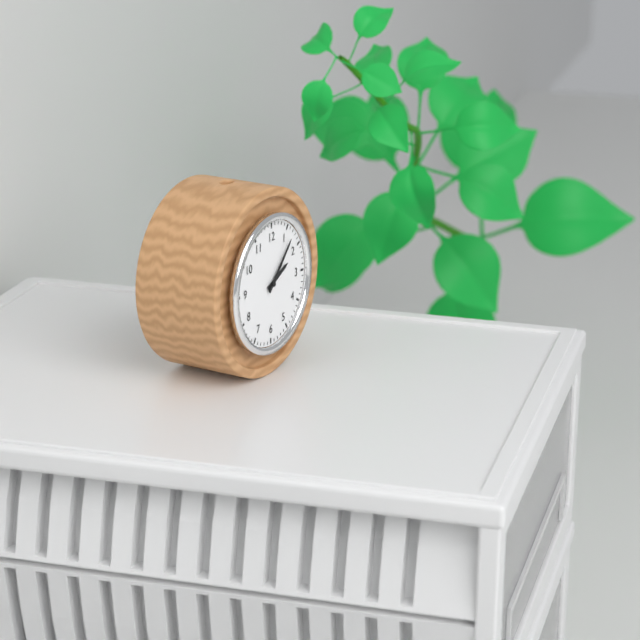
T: 2 h 07 min
